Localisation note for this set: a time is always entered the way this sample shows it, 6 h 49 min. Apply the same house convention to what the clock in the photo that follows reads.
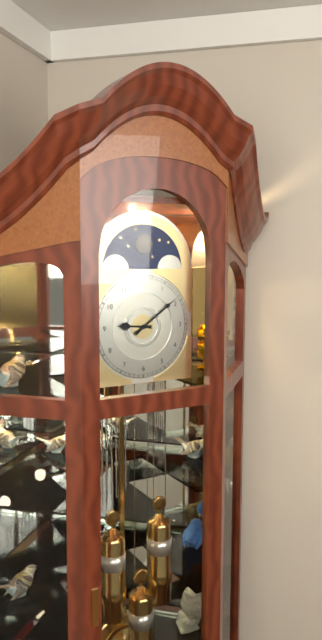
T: 9 h 09 min
